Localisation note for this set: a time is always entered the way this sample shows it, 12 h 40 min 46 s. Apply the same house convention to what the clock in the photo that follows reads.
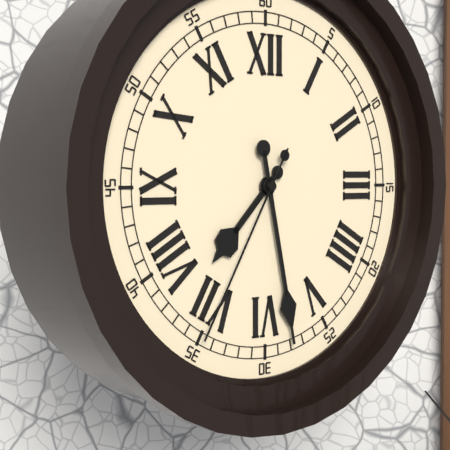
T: 7 h 28 min 35 s
